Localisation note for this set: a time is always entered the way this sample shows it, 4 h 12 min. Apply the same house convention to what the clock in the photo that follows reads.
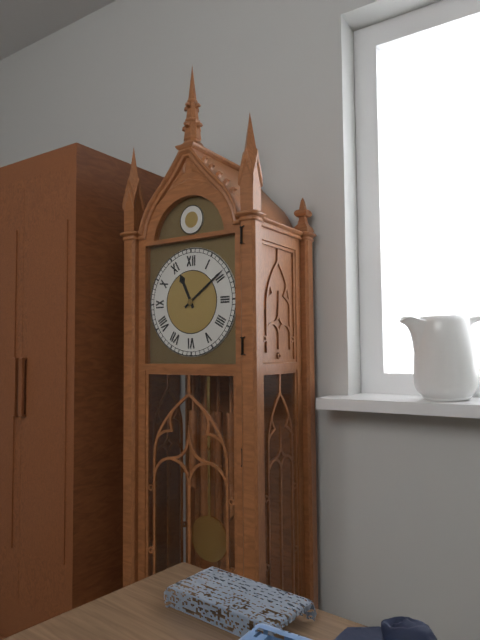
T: 11 h 09 min
